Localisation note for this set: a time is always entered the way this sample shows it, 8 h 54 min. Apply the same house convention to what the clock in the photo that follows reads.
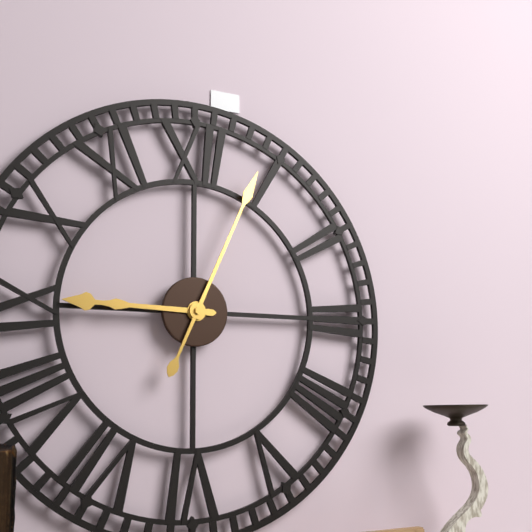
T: 9 h 04 min
